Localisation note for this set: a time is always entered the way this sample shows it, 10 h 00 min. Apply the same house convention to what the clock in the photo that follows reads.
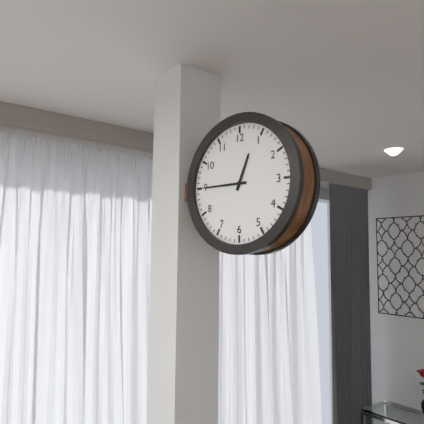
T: 12 h 45 min
